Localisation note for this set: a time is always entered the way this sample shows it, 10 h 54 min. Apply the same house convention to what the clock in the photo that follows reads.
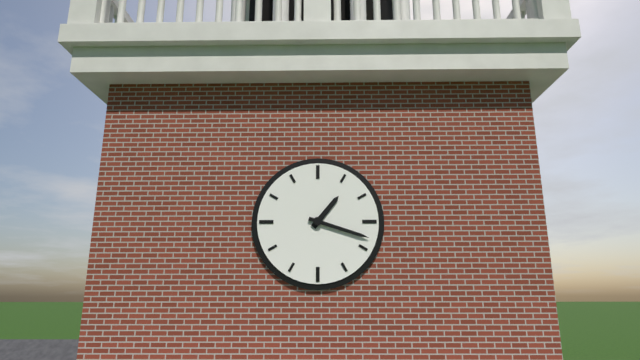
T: 1 h 18 min
